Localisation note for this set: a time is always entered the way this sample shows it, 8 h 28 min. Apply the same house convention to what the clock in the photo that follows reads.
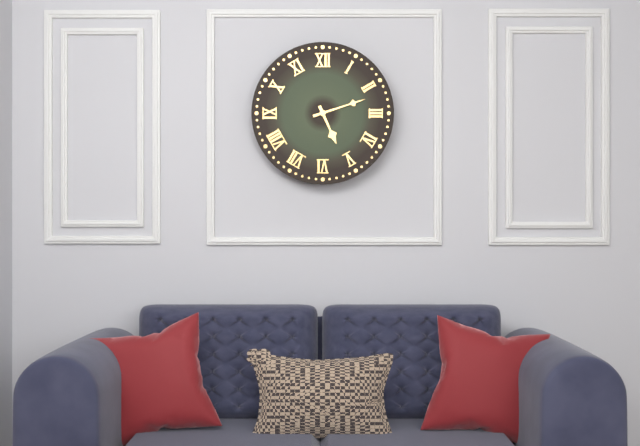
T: 5 h 12 min
